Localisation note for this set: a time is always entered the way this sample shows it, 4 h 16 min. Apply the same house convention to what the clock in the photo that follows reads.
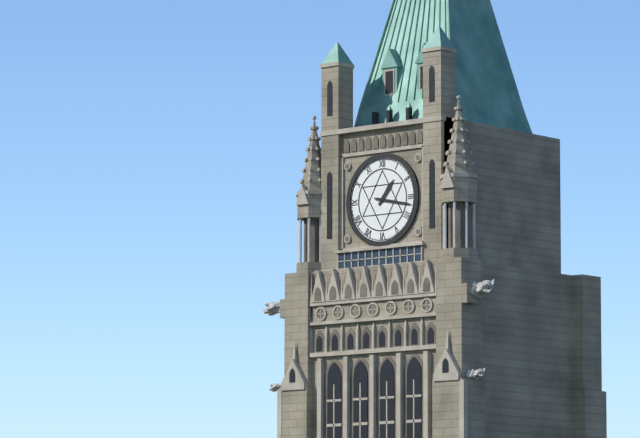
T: 1 h 17 min
